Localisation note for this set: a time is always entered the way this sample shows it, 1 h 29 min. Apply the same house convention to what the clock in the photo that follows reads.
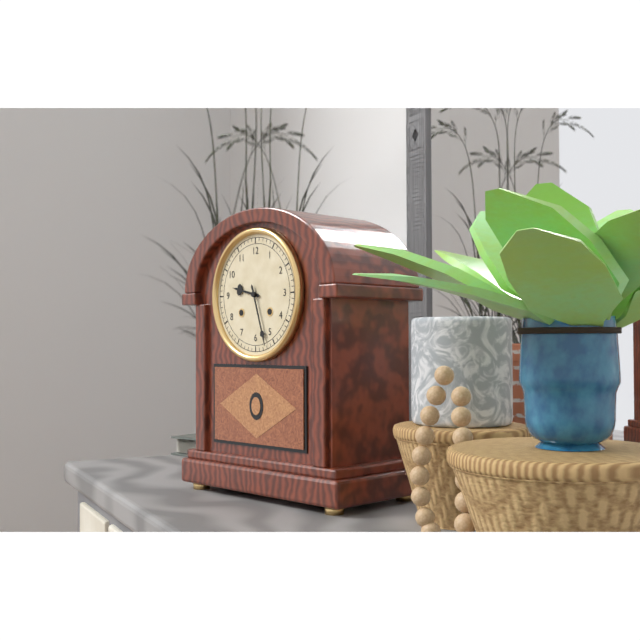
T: 9 h 27 min
